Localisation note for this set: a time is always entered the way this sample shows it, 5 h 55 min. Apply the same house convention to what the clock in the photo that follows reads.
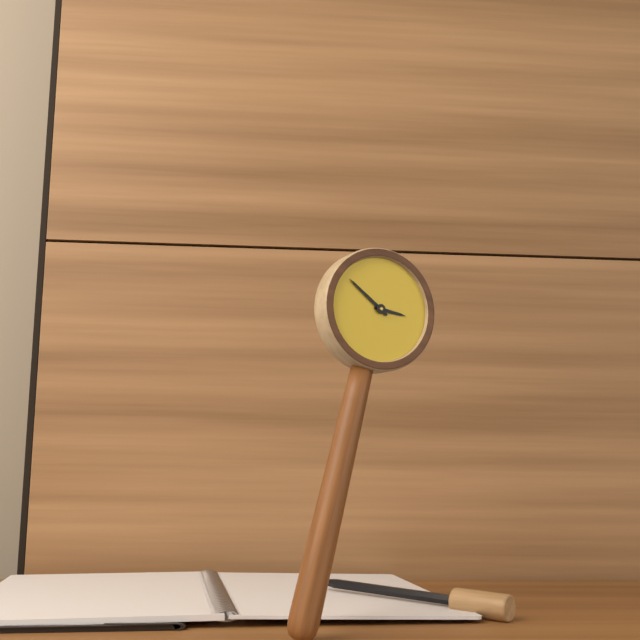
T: 2 h 49 min
